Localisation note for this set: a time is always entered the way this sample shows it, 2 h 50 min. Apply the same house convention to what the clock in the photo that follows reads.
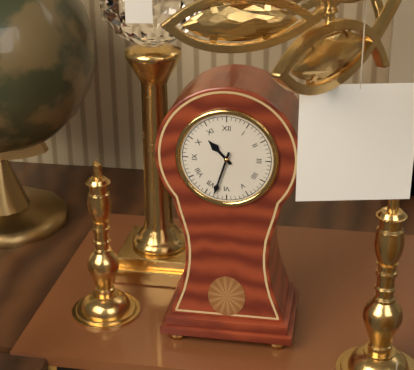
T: 10 h 33 min
